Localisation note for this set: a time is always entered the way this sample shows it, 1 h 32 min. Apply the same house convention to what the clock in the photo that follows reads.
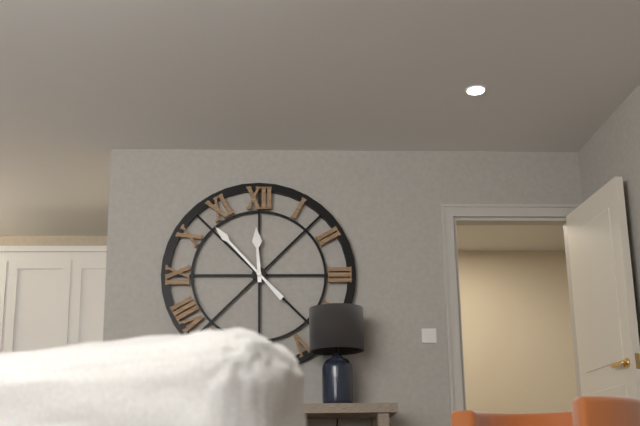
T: 11 h 53 min
